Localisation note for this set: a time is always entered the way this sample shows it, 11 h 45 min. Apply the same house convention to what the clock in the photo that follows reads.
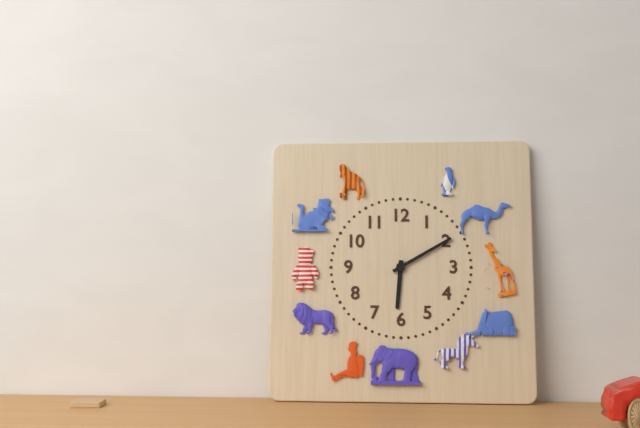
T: 6 h 10 min
